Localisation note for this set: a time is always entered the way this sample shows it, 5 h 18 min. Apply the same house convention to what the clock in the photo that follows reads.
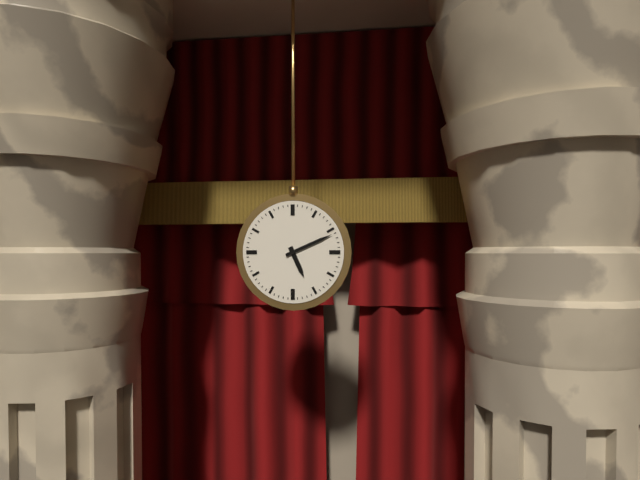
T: 5 h 11 min
